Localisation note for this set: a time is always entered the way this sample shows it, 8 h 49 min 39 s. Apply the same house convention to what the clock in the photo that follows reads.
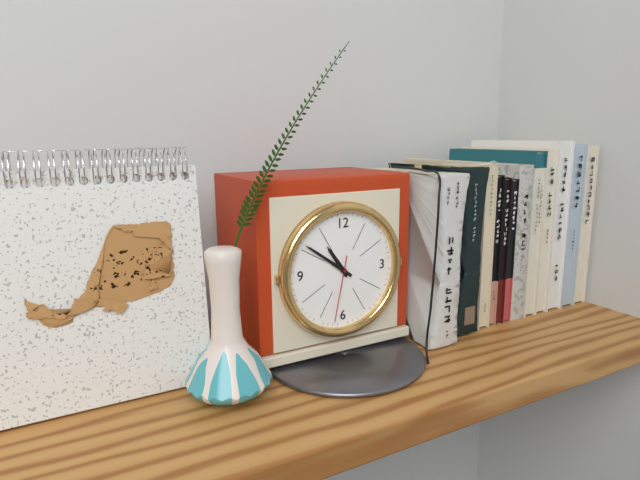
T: 10 h 51 min 32 s
